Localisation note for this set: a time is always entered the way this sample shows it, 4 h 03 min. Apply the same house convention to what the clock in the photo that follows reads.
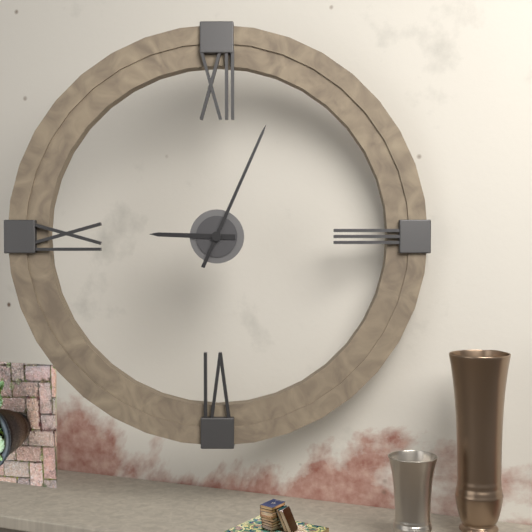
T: 9 h 04 min
